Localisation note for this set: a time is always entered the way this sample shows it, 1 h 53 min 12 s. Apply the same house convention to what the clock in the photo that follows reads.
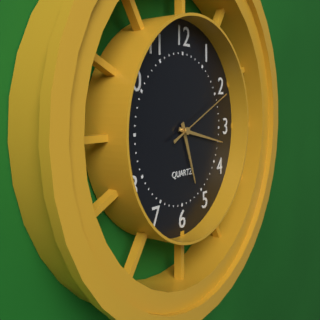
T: 5 h 17 min 11 s
